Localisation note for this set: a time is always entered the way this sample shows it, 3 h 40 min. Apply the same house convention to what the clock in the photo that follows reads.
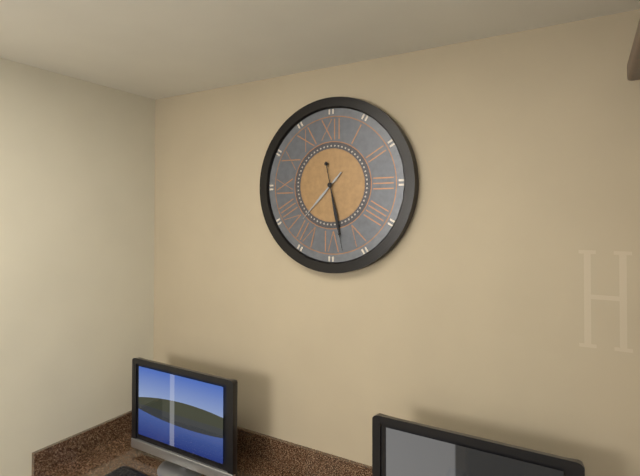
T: 7 h 28 min
